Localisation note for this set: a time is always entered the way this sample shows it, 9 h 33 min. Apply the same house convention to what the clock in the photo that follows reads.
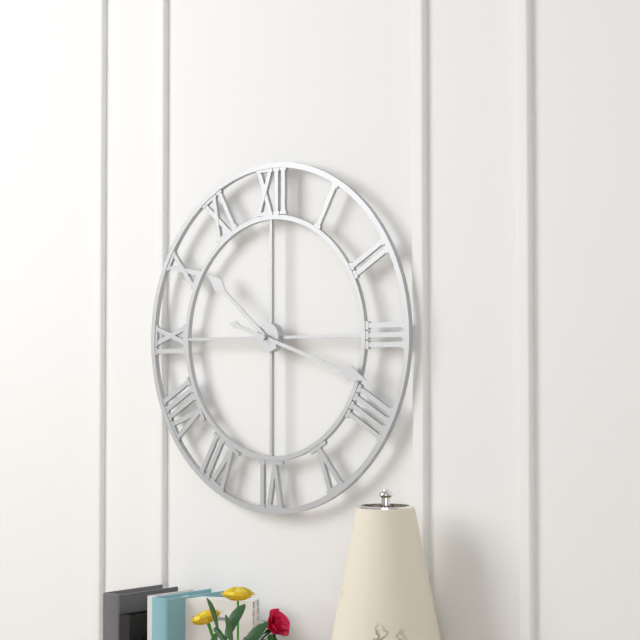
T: 10 h 18 min
